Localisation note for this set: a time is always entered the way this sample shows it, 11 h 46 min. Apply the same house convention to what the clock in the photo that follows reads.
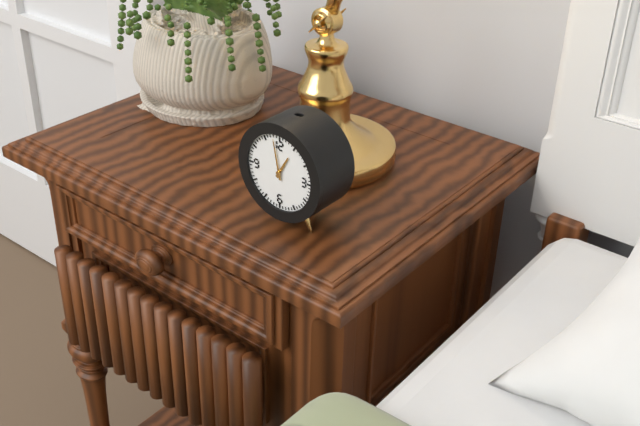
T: 12 h 58 min
